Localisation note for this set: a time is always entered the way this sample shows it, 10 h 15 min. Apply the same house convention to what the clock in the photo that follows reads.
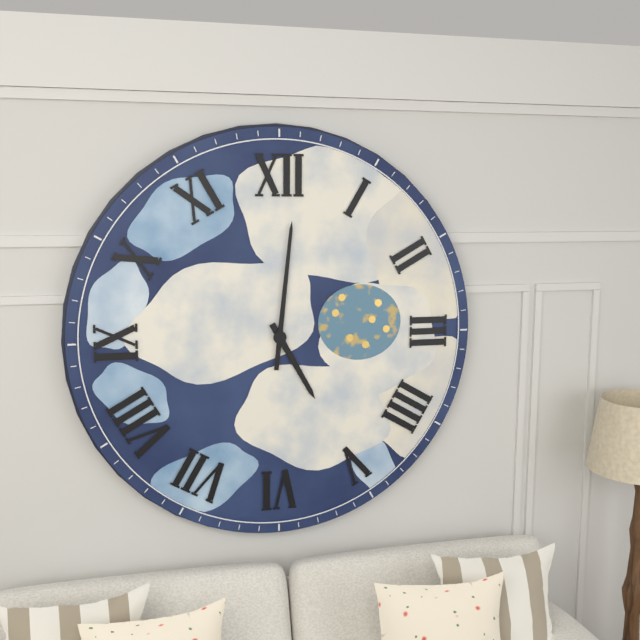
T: 5 h 01 min
